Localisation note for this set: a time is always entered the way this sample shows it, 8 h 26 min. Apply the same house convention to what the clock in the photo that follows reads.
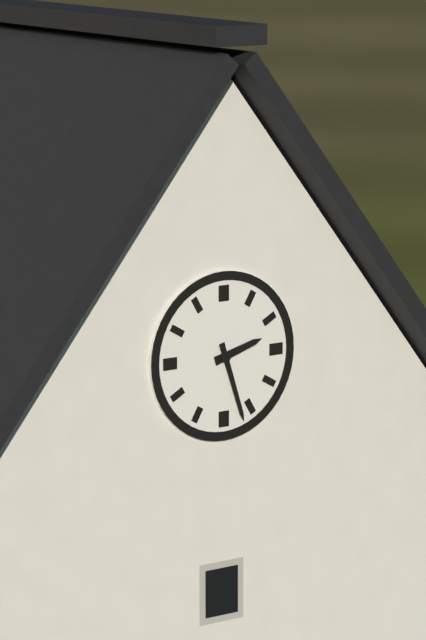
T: 2 h 27 min
